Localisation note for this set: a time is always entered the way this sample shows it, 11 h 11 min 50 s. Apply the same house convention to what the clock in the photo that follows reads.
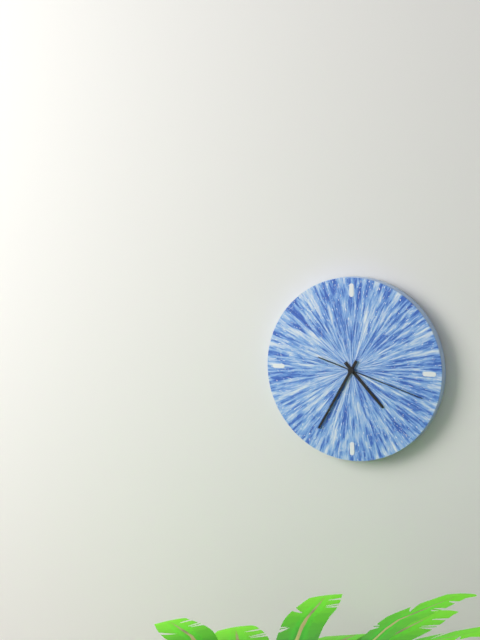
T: 4 h 35 min 18 s
